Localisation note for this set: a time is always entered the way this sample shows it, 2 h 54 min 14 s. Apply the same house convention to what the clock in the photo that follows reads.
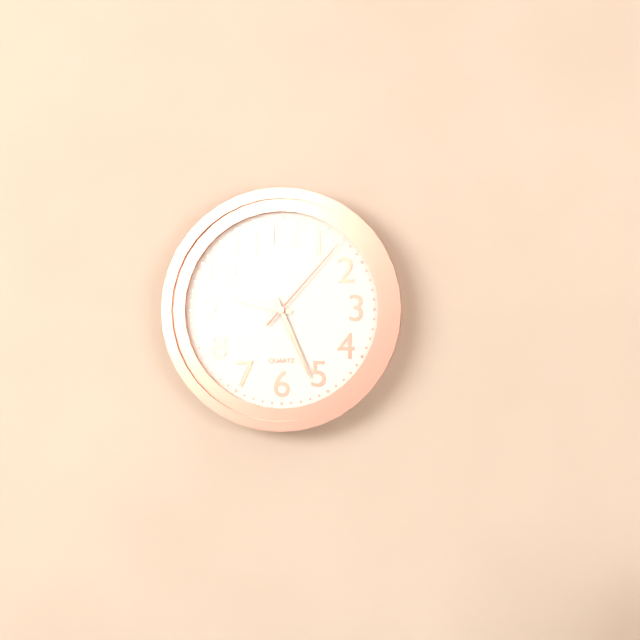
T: 9 h 26 min 07 s
